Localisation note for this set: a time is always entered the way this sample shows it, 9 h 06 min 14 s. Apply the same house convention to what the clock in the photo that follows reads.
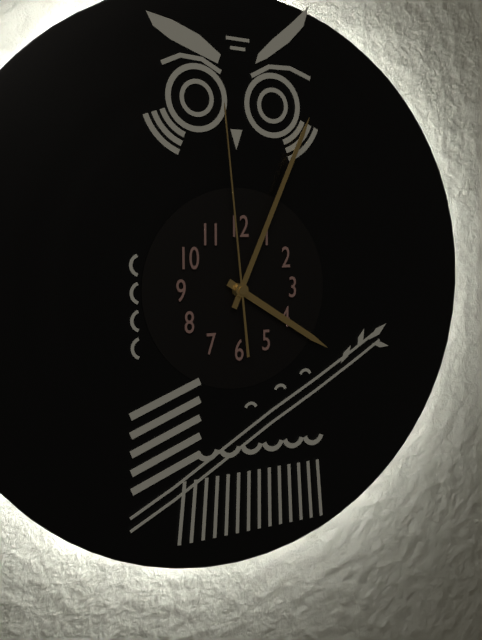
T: 4 h 04 min 59 s
